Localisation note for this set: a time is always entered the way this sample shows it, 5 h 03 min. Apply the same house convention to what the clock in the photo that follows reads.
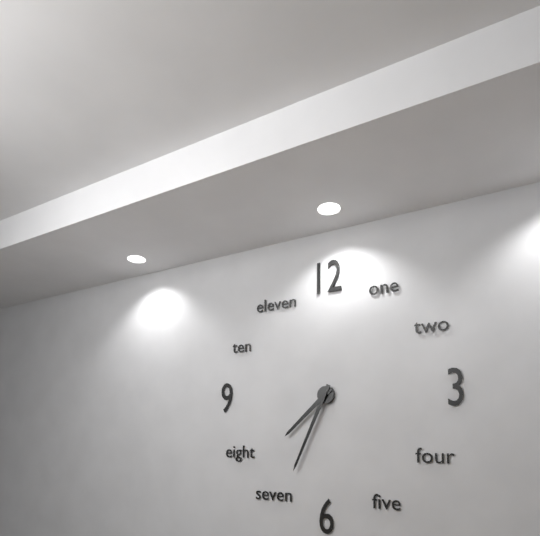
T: 7 h 34 min
